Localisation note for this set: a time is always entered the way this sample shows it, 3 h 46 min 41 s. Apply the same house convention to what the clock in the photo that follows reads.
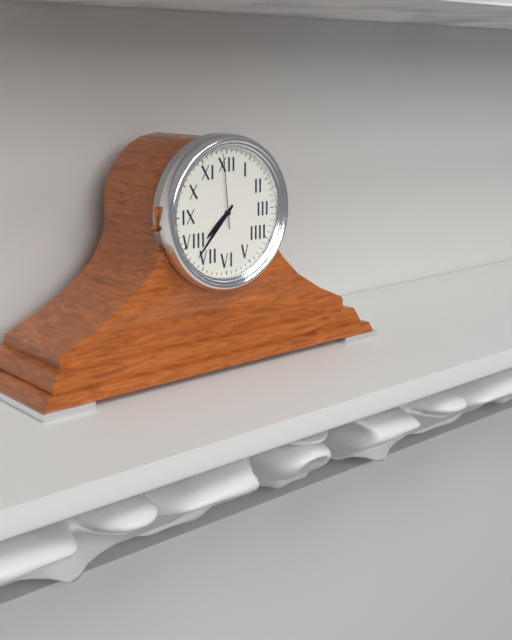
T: 7 h 37 min 59 s
